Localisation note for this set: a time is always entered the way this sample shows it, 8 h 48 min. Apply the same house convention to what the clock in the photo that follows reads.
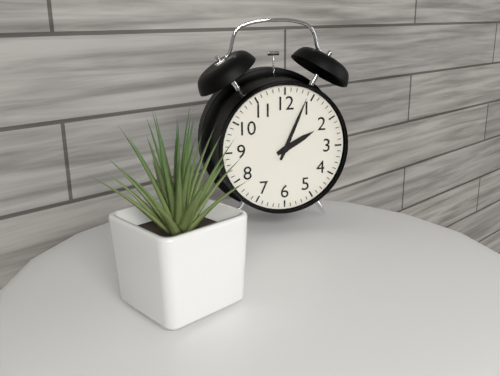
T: 2 h 04 min
